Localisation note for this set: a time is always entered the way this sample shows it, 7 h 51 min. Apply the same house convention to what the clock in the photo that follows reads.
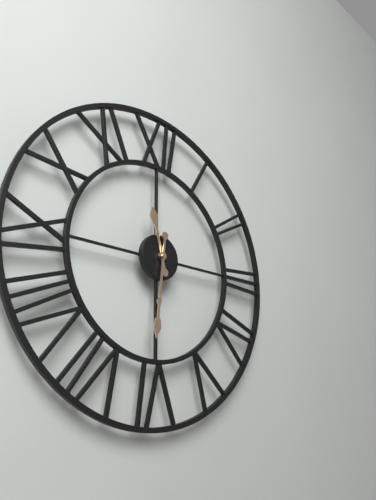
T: 11 h 31 min
